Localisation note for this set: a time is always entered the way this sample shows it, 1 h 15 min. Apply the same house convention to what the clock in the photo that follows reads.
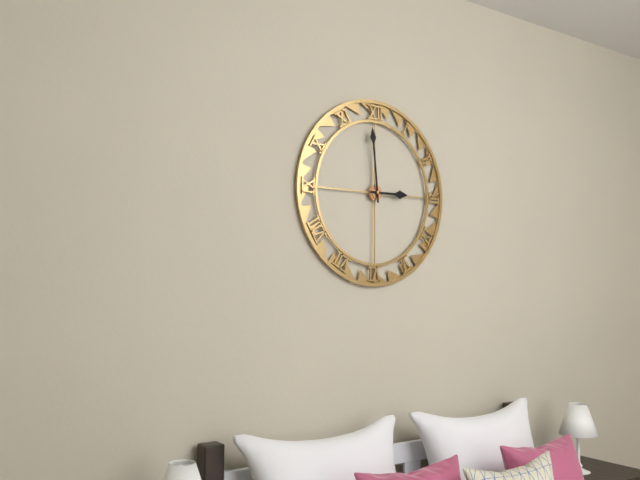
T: 2 h 59 min
